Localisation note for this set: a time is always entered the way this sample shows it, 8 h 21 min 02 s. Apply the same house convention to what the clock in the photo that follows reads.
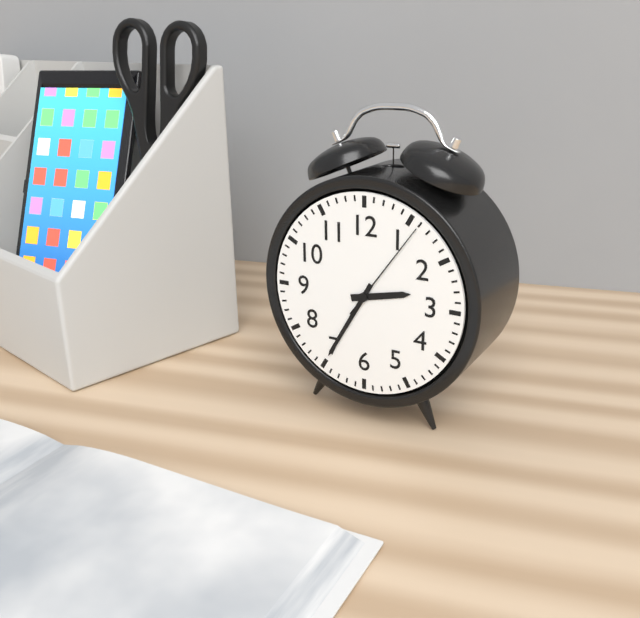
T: 2 h 35 min 06 s
